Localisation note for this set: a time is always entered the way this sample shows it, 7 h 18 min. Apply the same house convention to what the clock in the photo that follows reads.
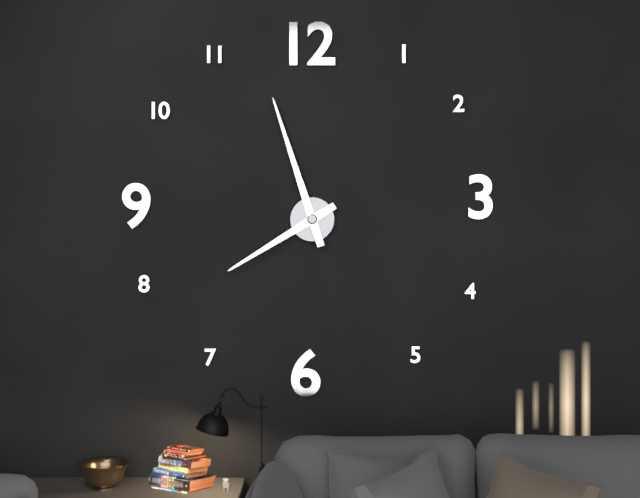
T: 7 h 57 min
